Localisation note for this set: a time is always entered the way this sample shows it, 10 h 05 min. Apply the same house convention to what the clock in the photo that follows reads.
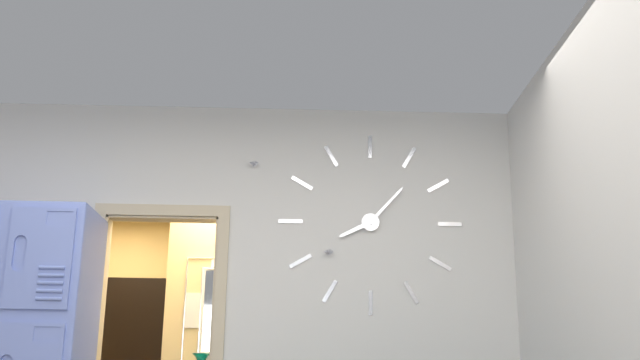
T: 8 h 07 min
